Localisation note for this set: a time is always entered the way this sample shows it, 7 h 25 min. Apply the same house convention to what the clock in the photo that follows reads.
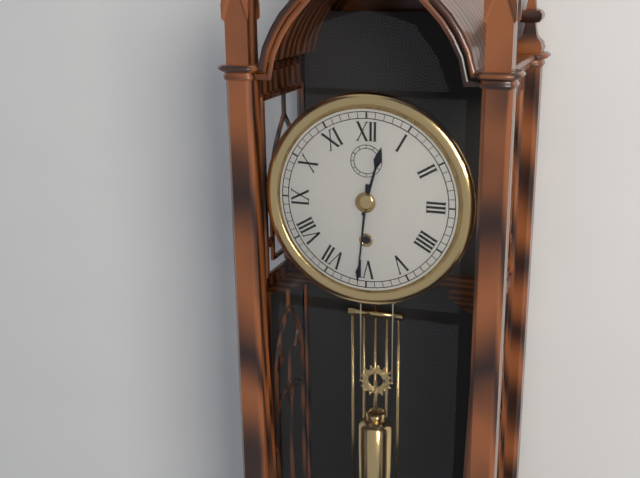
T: 12 h 31 min
